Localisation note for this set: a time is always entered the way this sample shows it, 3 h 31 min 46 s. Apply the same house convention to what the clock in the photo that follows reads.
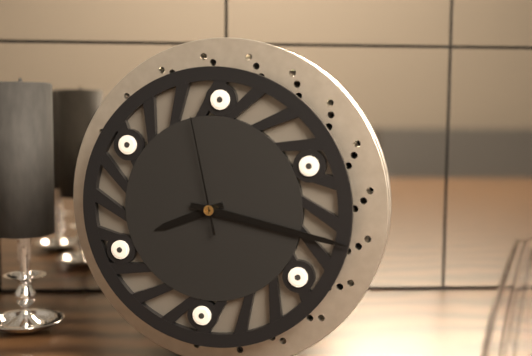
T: 8 h 17 min 58 s
